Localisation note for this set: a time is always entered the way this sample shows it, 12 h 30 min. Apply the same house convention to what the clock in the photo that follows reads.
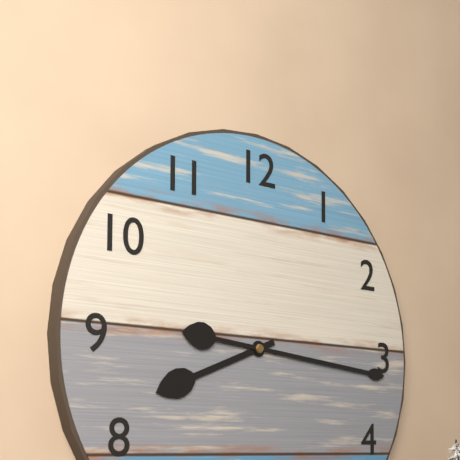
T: 8 h 16 min
